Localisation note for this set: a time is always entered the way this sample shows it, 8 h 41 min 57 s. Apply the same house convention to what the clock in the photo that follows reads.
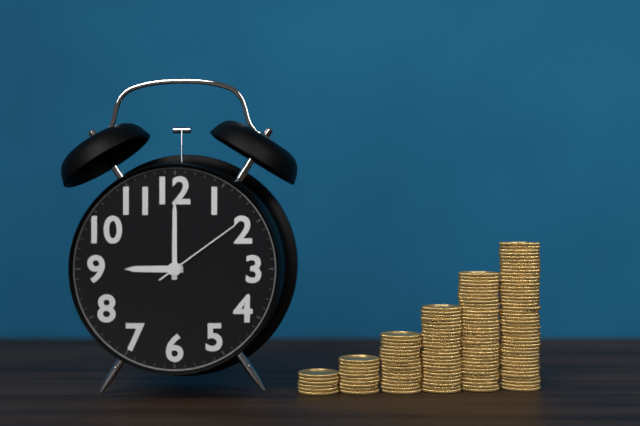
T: 9 h 00 min 09 s
